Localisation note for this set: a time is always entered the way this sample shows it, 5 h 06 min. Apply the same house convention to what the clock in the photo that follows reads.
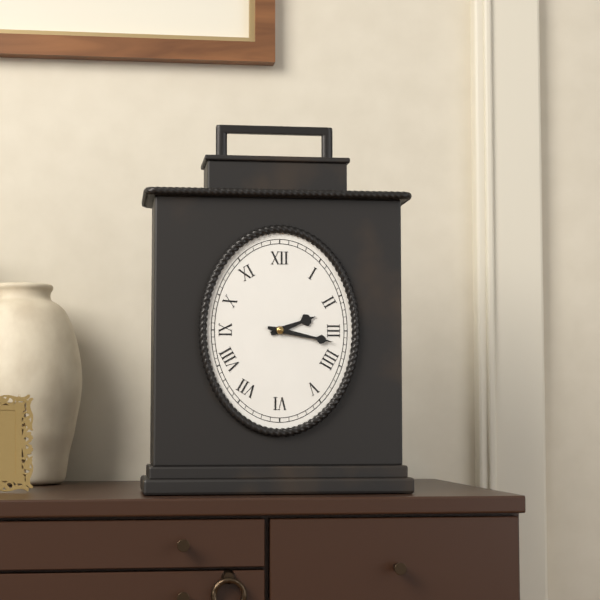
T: 2 h 17 min
